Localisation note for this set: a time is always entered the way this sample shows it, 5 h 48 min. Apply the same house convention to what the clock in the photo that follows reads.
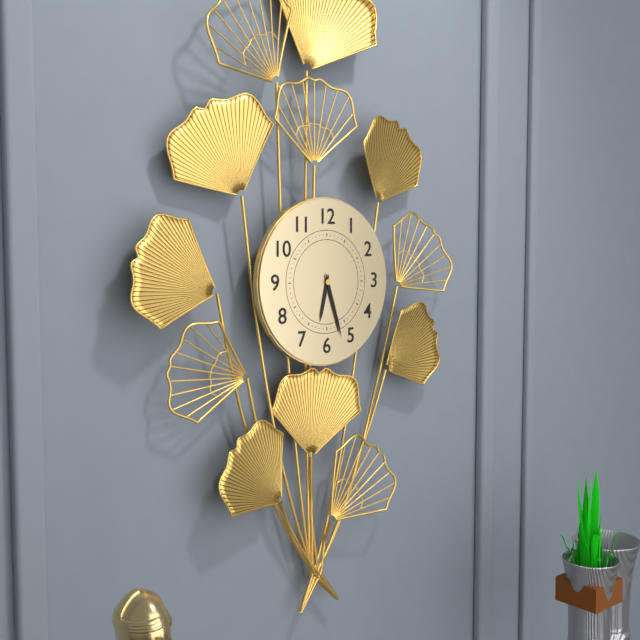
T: 6 h 27 min
